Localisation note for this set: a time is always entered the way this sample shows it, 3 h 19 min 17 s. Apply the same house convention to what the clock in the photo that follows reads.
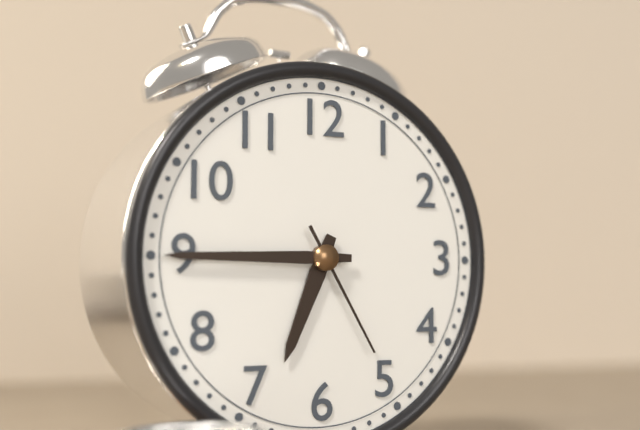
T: 6 h 45 min 25 s
